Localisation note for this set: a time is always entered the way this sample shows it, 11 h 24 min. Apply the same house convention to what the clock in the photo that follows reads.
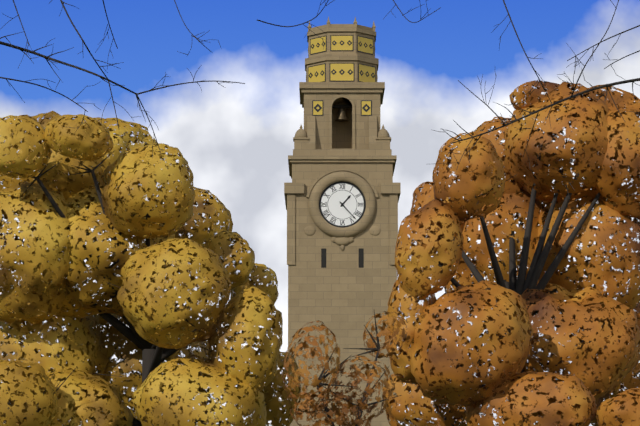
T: 1 h 23 min
